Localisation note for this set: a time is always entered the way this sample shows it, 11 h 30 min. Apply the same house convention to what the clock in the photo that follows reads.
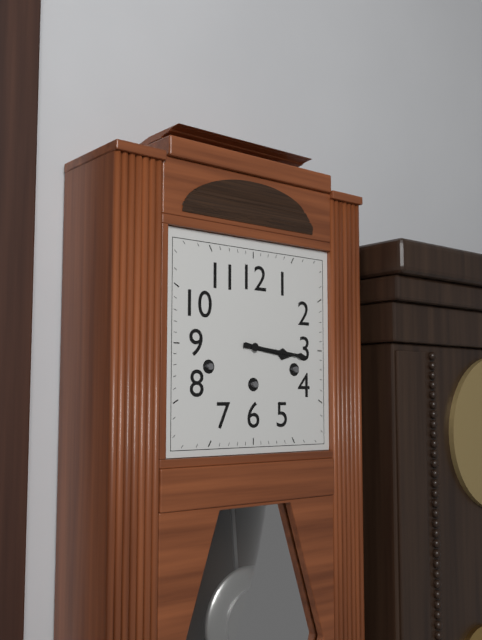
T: 3 h 16 min
